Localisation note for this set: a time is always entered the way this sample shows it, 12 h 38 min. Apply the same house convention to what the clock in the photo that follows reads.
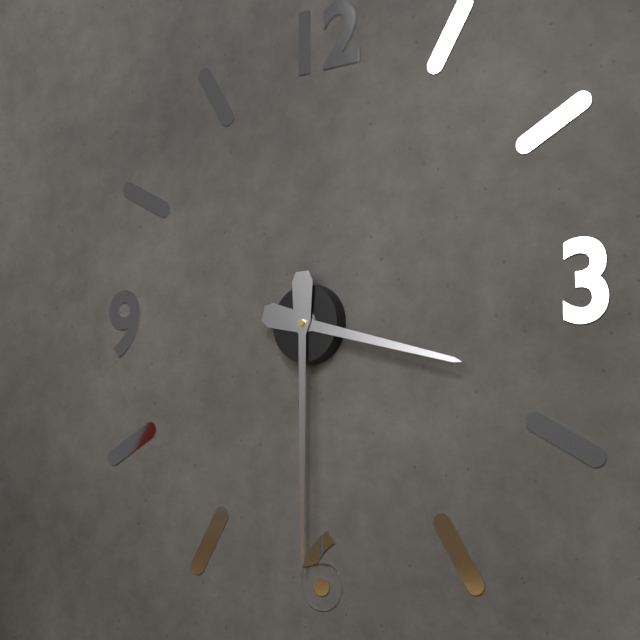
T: 3 h 30 min
